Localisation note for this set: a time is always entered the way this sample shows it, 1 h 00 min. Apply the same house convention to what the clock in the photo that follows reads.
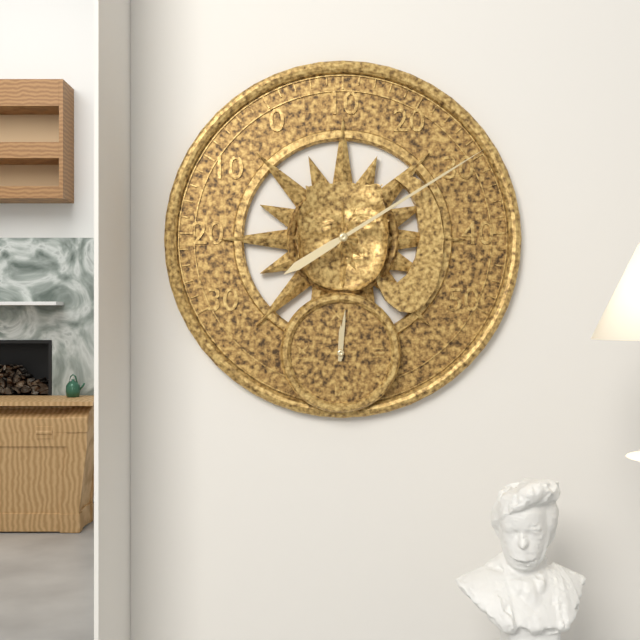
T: 12 h 01 min
